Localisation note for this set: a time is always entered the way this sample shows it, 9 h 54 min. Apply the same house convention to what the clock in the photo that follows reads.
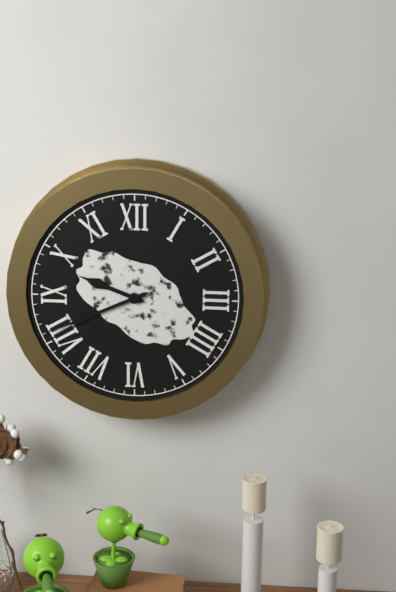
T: 9 h 41 min
